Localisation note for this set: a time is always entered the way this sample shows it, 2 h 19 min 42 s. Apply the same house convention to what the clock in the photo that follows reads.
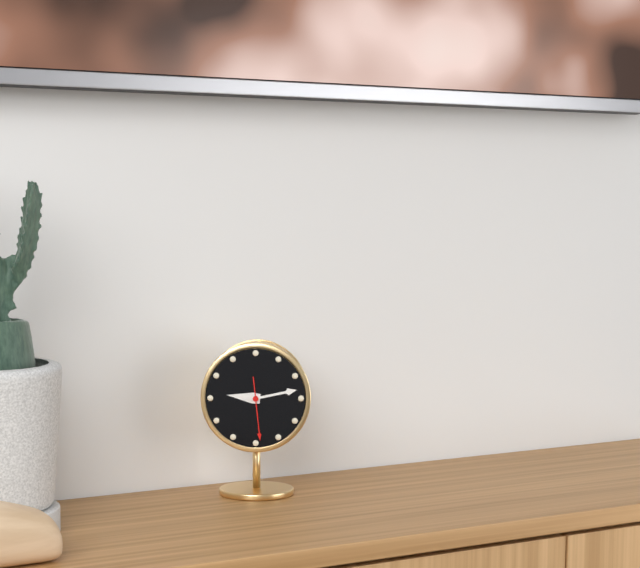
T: 9 h 13 min 29 s
